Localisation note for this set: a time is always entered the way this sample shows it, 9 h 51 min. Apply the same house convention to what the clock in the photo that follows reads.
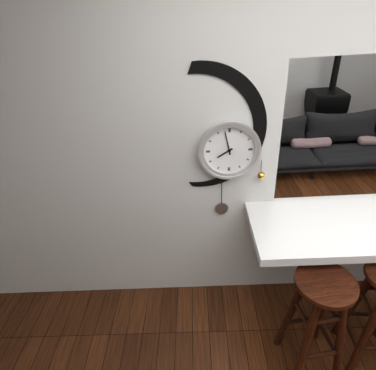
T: 7 h 58 min
